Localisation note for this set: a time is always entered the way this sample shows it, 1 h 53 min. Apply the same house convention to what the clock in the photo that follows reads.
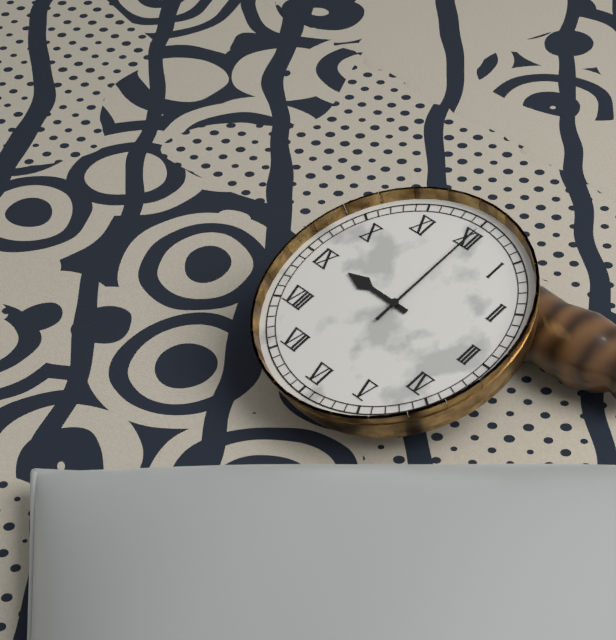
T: 9 h 00 min
